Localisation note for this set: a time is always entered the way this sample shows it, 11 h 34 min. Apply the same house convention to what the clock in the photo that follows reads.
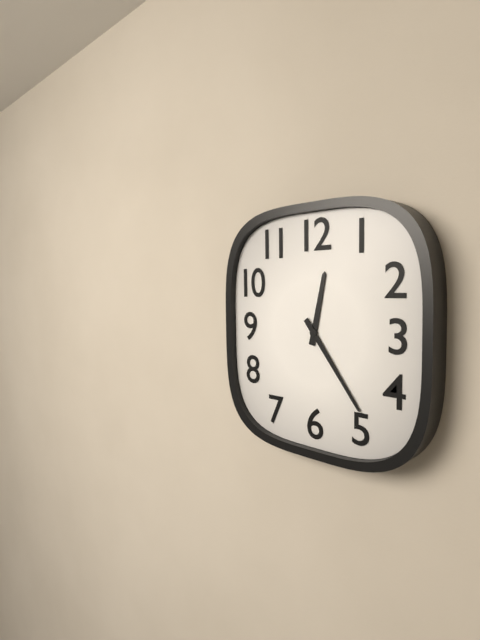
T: 12 h 24 min
